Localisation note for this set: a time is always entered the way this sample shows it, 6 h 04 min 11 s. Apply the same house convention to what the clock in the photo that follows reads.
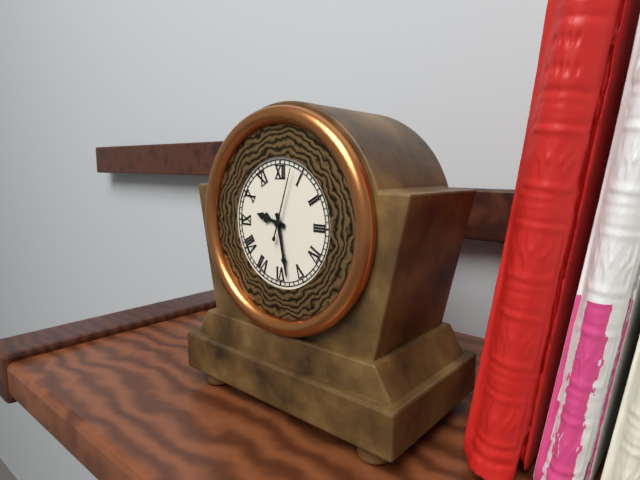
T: 9 h 28 min 03 s
